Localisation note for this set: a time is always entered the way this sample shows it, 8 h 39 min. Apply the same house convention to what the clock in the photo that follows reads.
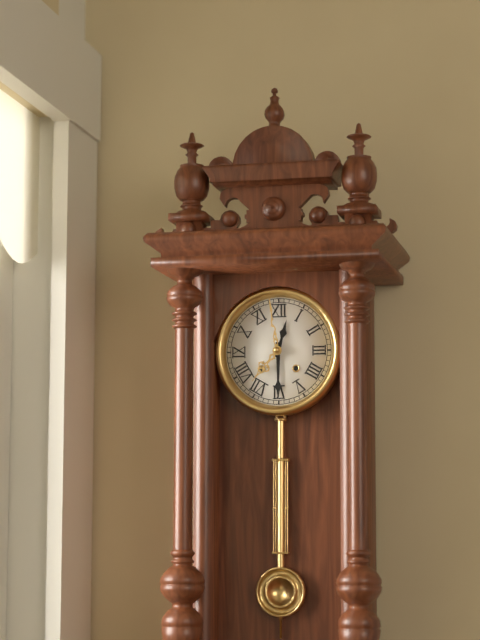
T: 12 h 30 min
